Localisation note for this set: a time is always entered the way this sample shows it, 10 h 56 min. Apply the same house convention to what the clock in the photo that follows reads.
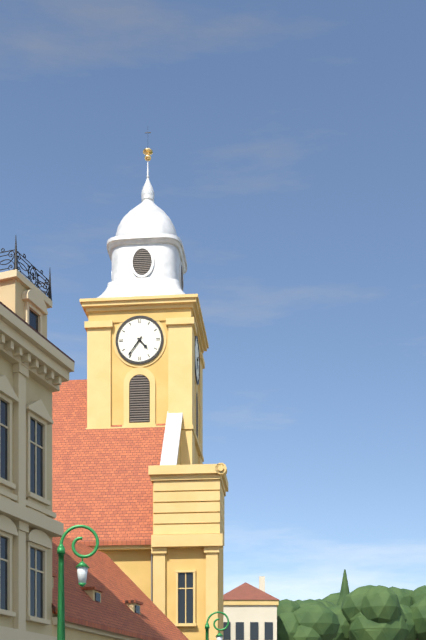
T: 4 h 36 min
